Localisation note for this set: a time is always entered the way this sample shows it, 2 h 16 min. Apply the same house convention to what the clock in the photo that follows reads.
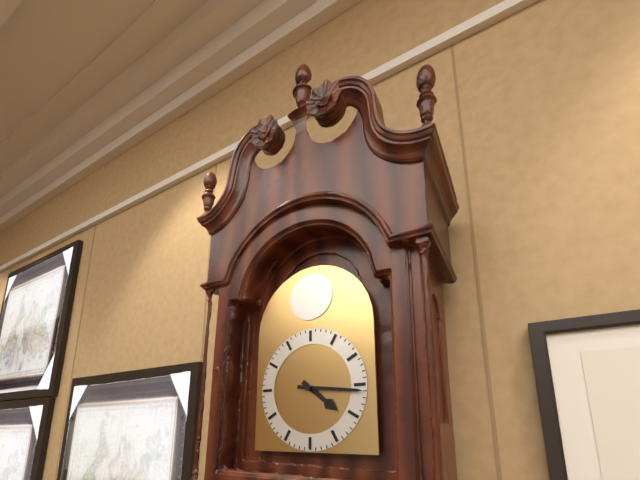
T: 4 h 16 min
